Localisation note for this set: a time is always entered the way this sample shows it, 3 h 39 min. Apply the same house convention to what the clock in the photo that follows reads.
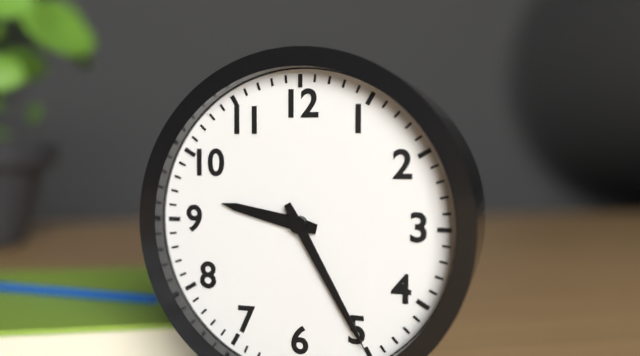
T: 9 h 25 min
